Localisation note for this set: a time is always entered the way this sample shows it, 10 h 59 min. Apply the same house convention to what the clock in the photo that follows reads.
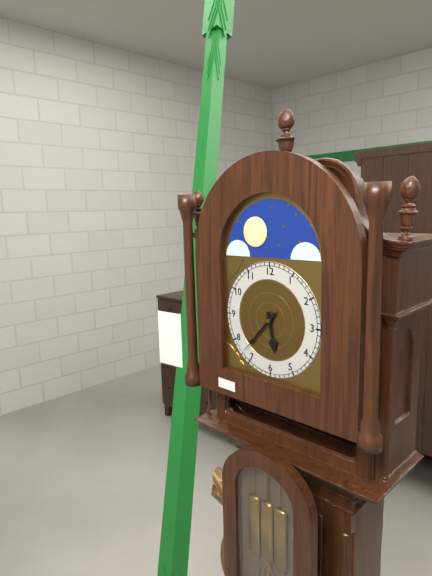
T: 5 h 37 min
